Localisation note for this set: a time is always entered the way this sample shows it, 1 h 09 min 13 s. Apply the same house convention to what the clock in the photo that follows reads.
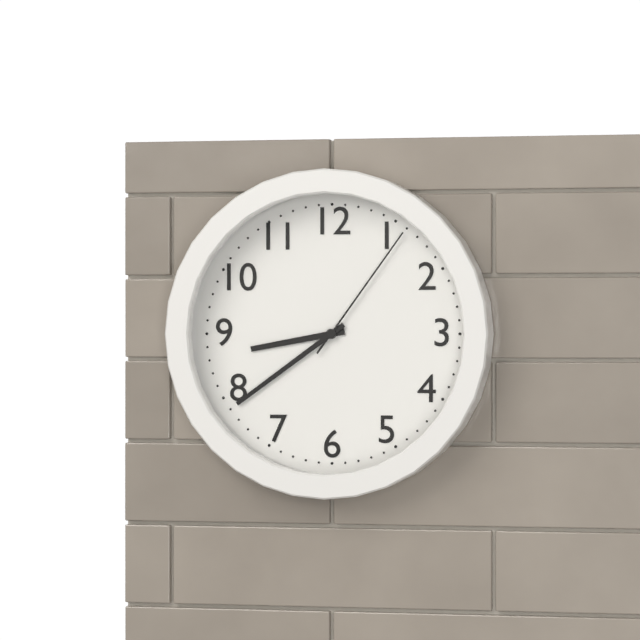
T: 8 h 39 min 06 s
